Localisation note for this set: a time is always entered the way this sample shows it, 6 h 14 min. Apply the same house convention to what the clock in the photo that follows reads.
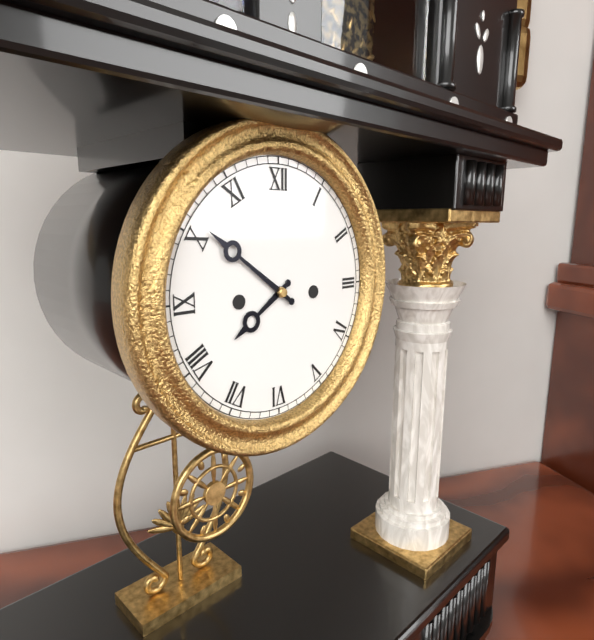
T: 7 h 51 min
